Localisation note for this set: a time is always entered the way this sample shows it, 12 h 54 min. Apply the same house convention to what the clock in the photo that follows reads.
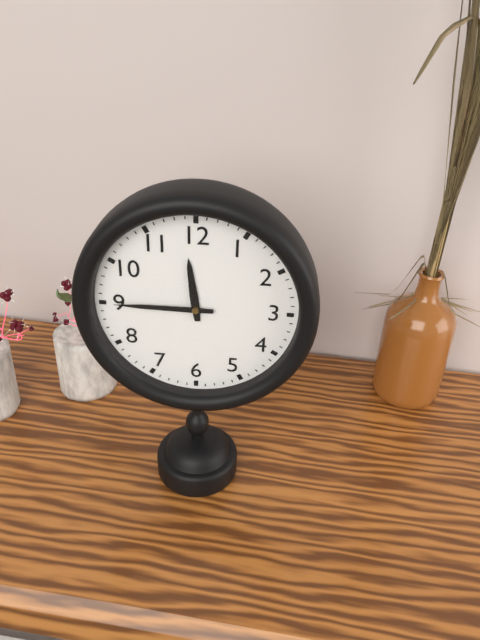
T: 11 h 45 min
